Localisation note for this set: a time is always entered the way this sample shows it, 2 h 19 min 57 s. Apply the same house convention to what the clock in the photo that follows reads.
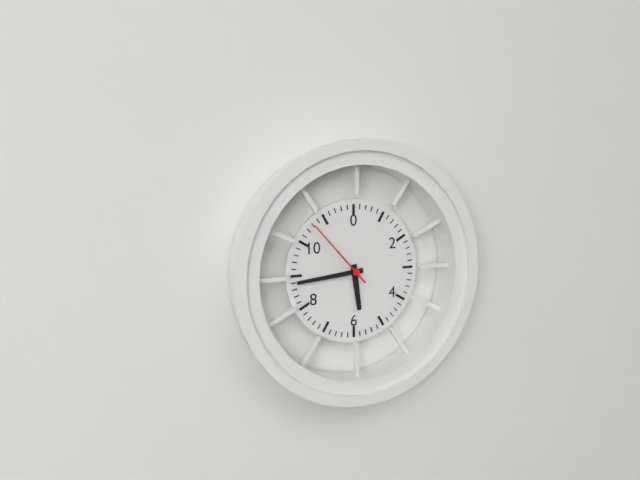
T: 5 h 44 min 53 s
